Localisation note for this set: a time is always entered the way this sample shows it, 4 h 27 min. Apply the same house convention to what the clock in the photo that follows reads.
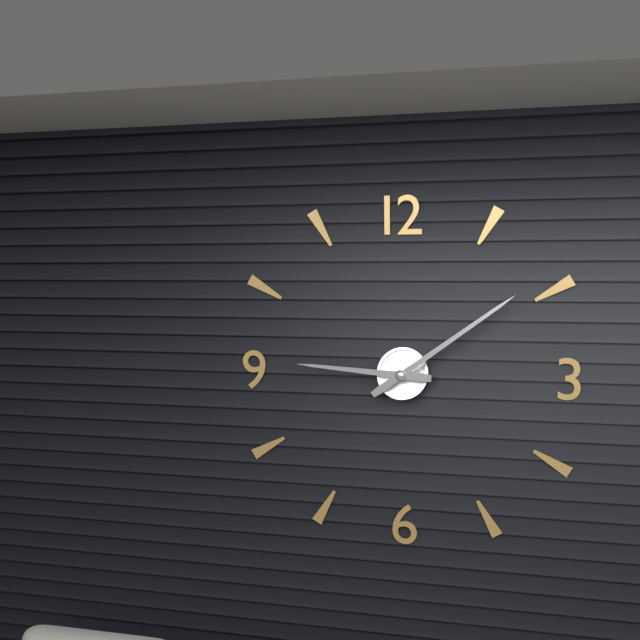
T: 9 h 09 min
